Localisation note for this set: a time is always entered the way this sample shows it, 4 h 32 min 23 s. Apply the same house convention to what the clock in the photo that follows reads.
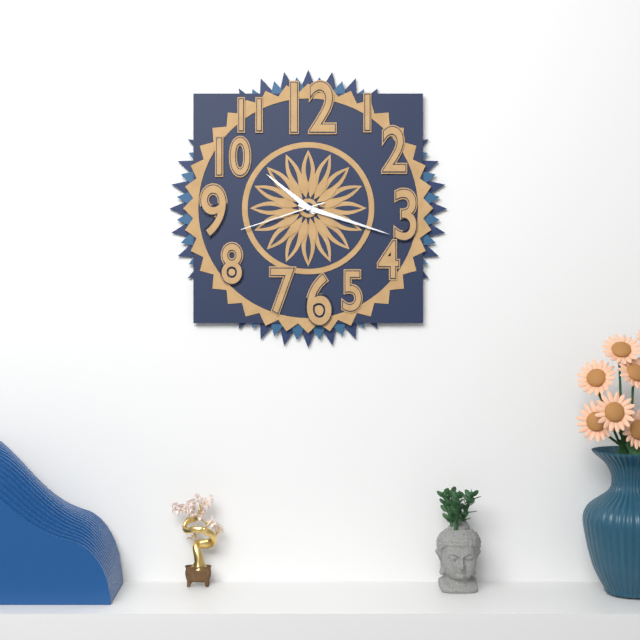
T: 10 h 18 min 42 s
